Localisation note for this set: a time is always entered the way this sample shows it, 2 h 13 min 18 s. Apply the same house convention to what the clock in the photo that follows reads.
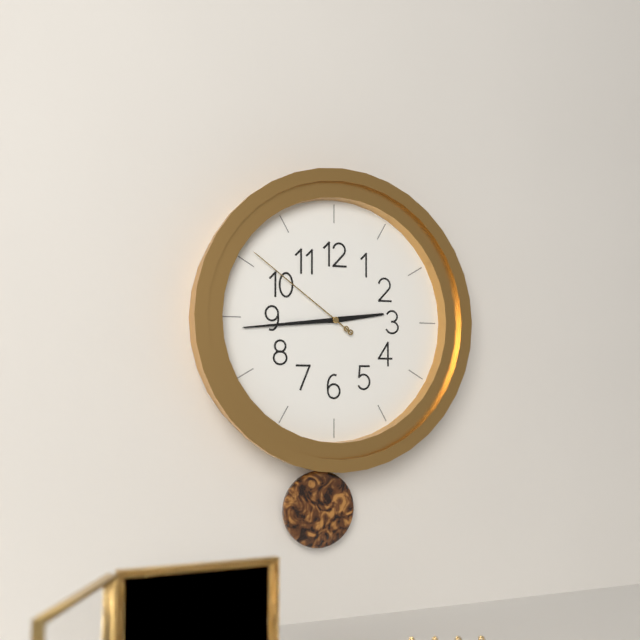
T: 2 h 44 min 51 s
